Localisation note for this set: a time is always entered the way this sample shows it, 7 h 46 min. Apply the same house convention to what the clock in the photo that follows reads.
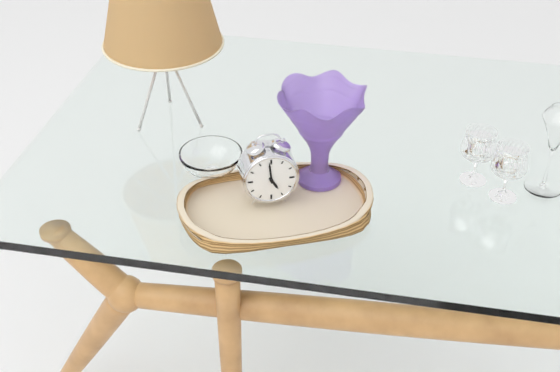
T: 4 h 59 min
